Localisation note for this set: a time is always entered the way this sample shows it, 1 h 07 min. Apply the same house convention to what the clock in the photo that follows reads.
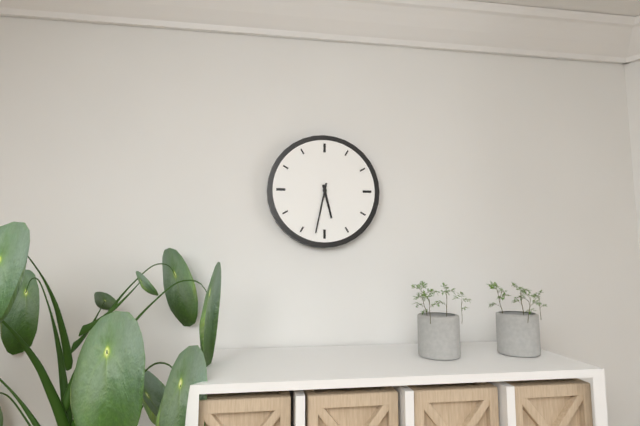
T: 5 h 32 min
